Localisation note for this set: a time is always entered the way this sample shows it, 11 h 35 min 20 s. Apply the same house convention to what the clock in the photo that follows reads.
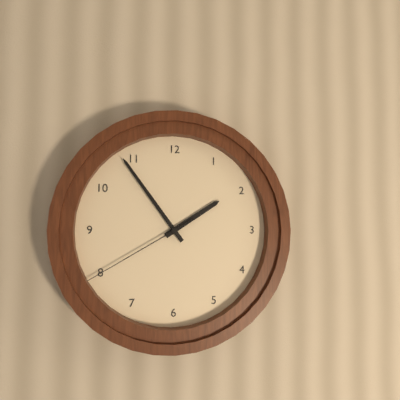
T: 1 h 54 min 40 s
